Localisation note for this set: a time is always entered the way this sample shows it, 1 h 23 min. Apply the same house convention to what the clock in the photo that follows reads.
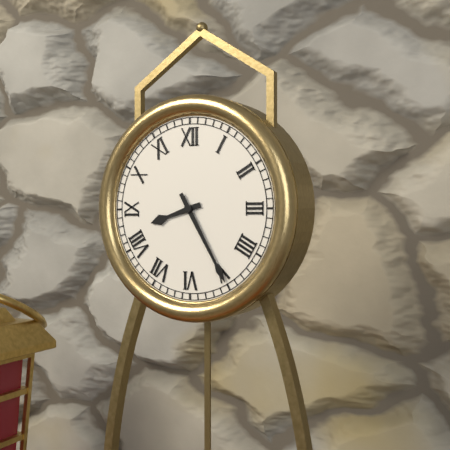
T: 8 h 25 min
